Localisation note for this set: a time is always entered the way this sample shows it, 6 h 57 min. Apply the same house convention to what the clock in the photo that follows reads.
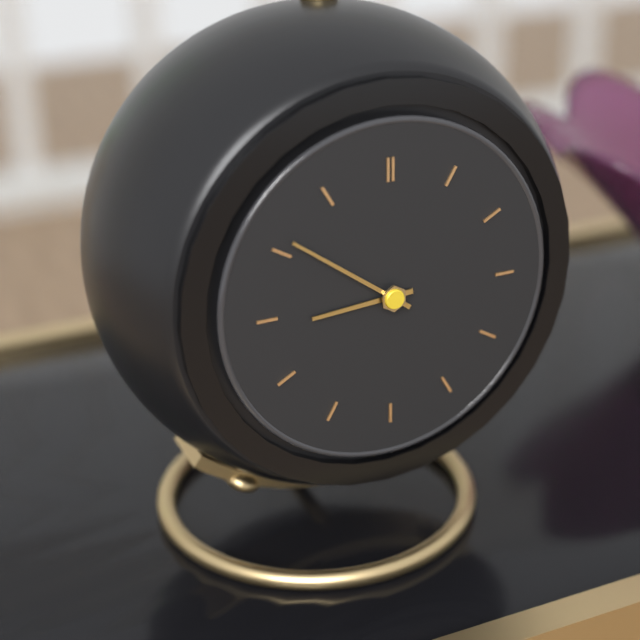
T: 8 h 51 min
